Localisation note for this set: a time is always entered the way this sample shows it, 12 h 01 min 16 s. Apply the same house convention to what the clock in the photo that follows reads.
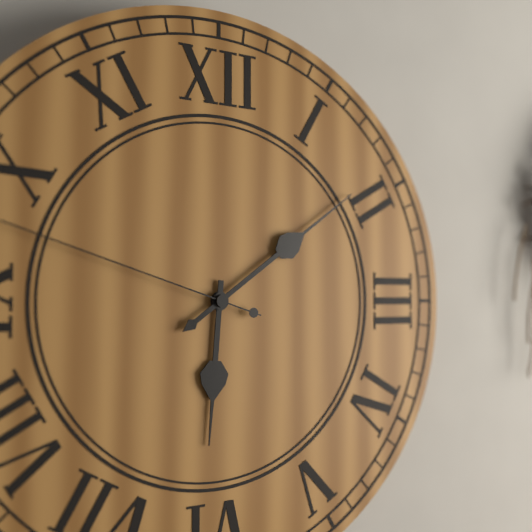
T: 6 h 09 min 48 s
